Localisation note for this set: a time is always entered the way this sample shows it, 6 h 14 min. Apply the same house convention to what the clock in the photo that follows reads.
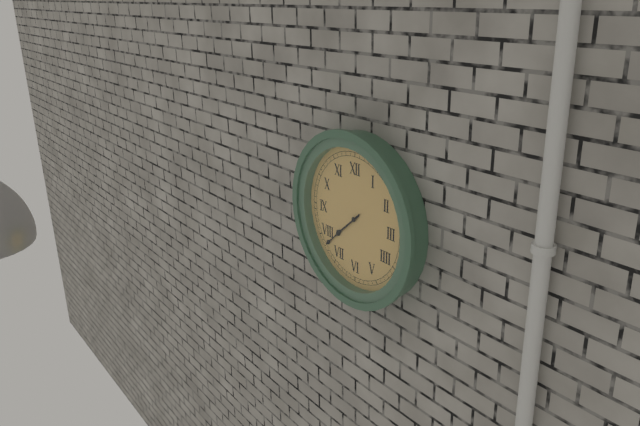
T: 7 h 38 min
